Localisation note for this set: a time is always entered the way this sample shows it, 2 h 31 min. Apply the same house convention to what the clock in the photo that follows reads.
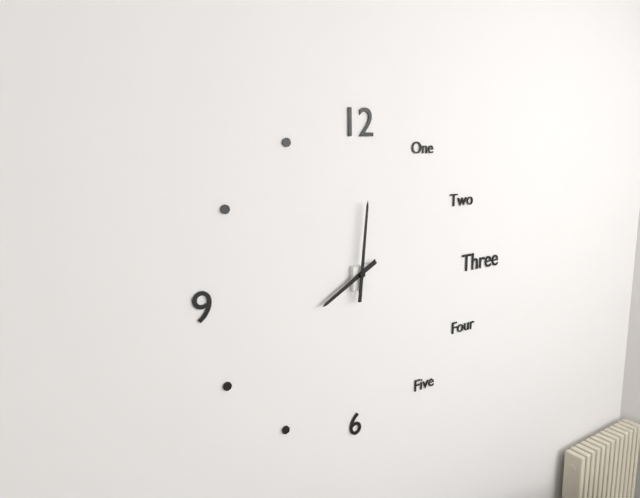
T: 8 h 01 min
